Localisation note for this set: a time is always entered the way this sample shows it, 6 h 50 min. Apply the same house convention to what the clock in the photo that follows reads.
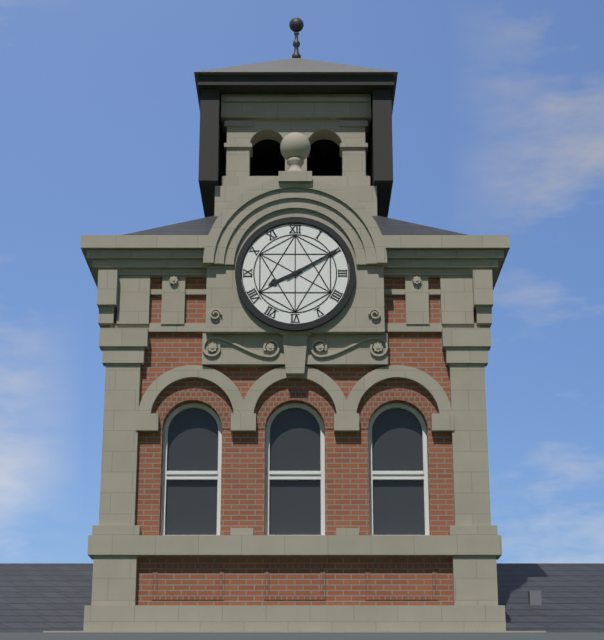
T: 8 h 10 min
